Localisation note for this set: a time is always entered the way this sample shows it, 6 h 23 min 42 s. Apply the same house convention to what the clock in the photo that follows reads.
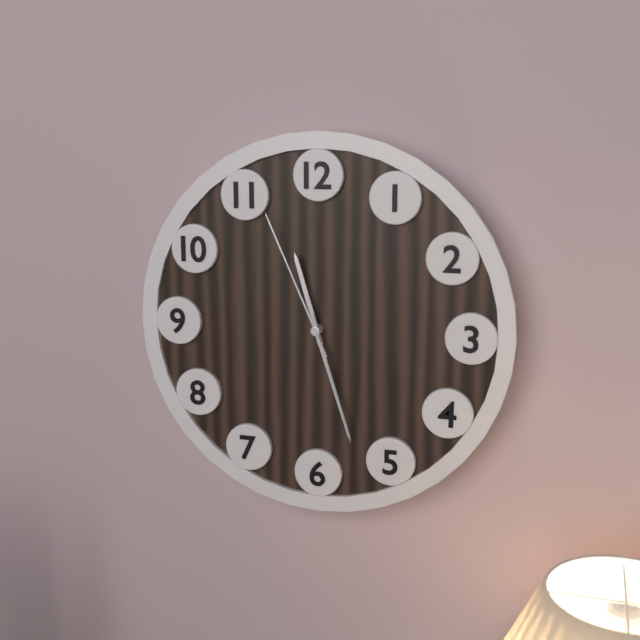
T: 11 h 27 min 56 s
